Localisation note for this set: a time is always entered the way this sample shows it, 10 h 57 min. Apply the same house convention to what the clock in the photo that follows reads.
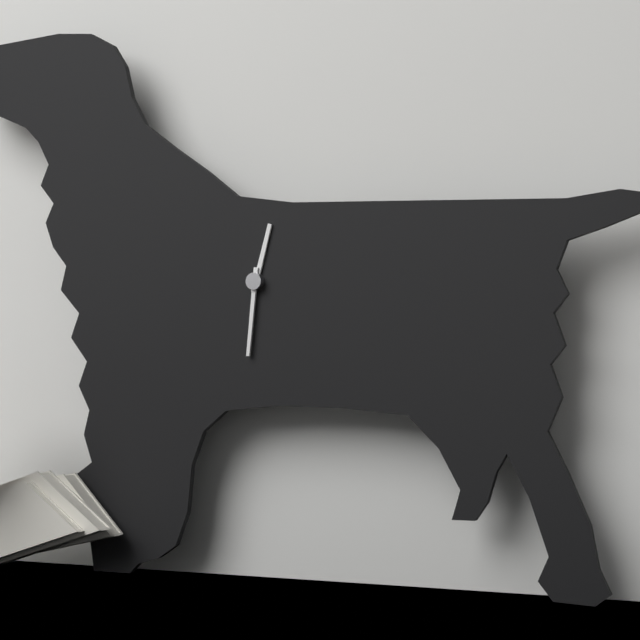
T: 12 h 31 min
